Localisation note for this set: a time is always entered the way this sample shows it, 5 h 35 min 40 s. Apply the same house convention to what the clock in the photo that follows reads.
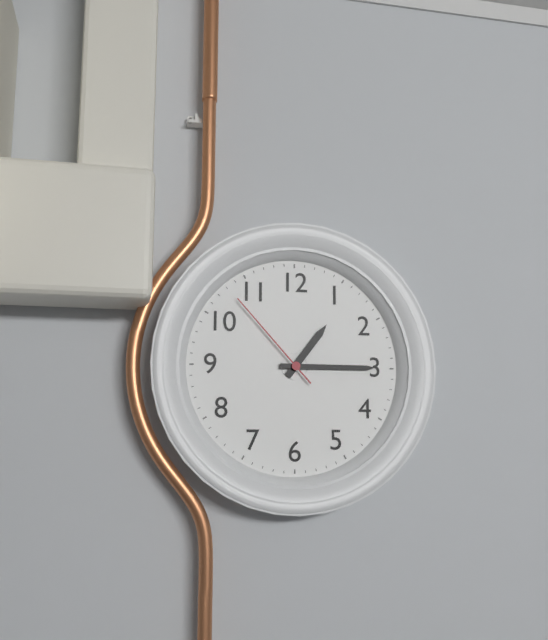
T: 1 h 15 min 53 s
